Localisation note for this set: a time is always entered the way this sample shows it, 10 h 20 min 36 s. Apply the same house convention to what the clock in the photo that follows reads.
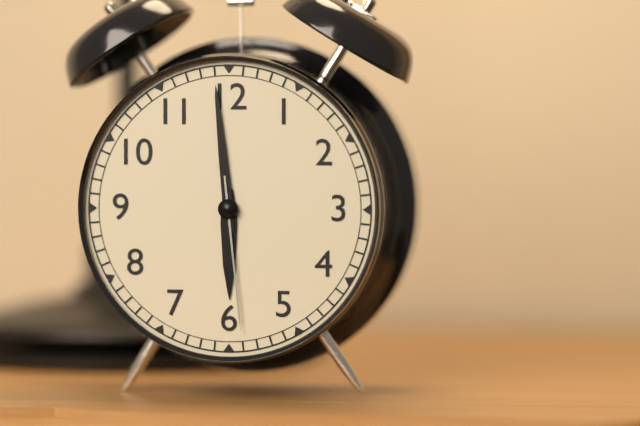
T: 5 h 59 min 29 s
